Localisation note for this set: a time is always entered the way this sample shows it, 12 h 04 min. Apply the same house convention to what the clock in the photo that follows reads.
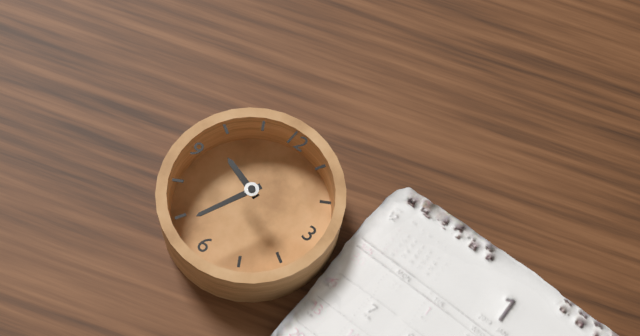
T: 9 h 34 min
